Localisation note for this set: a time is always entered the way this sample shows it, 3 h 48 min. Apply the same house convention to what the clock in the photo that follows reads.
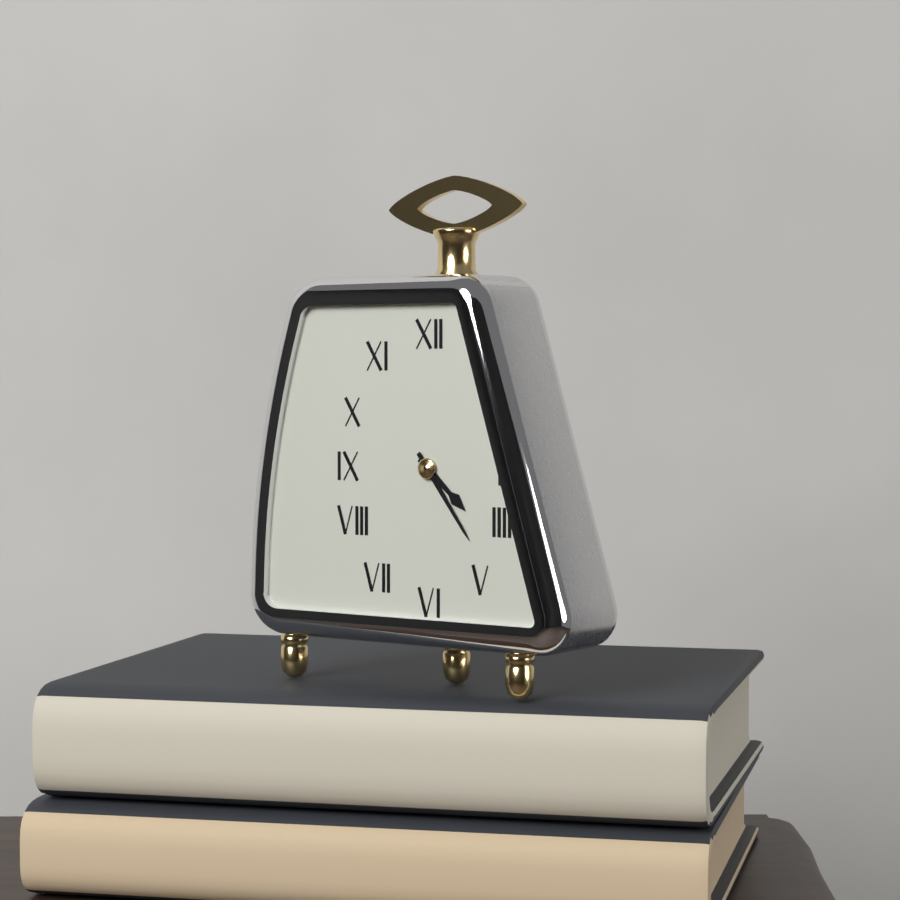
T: 4 h 24 min
